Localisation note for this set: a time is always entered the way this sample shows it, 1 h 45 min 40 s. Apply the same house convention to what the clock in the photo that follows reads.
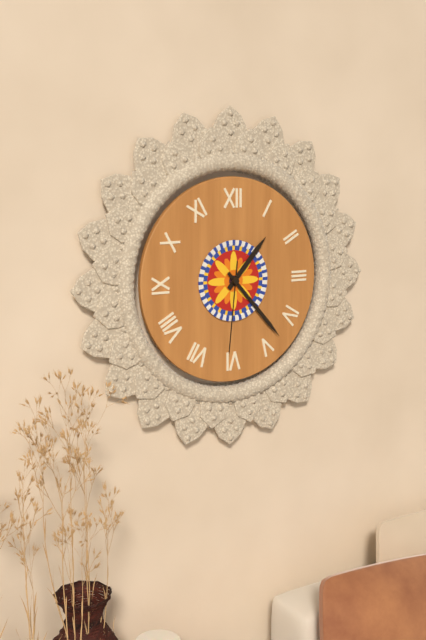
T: 1 h 23 min 31 s
